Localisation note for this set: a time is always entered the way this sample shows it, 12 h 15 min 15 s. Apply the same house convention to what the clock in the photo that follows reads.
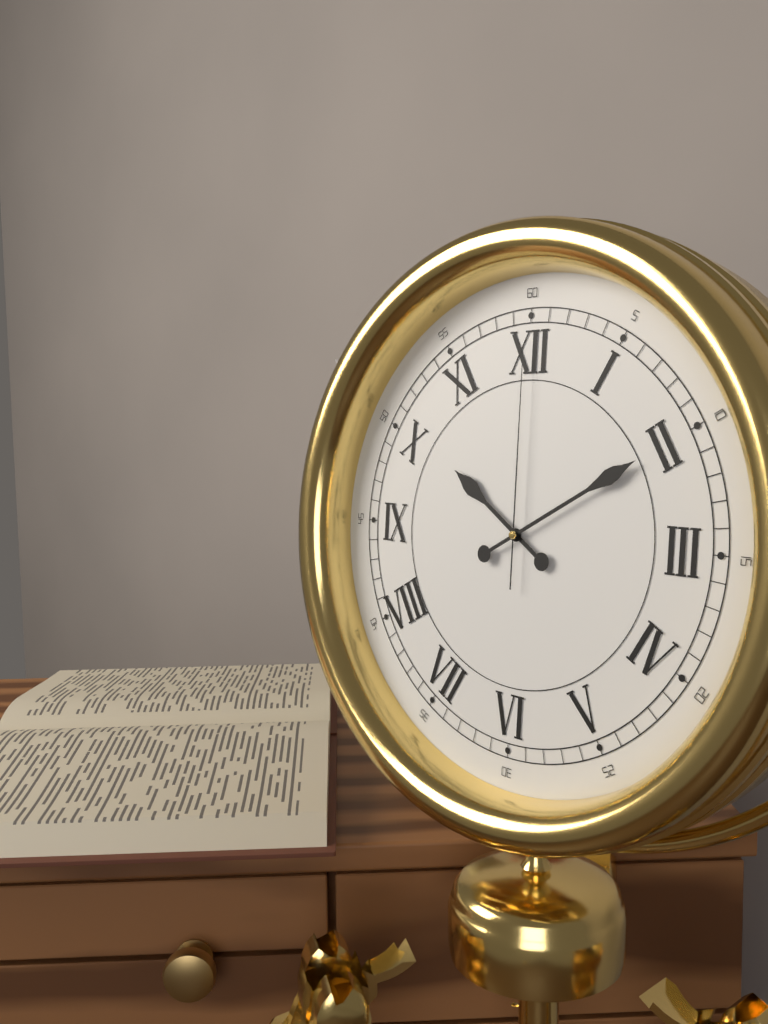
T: 10 h 10 min 00 s
